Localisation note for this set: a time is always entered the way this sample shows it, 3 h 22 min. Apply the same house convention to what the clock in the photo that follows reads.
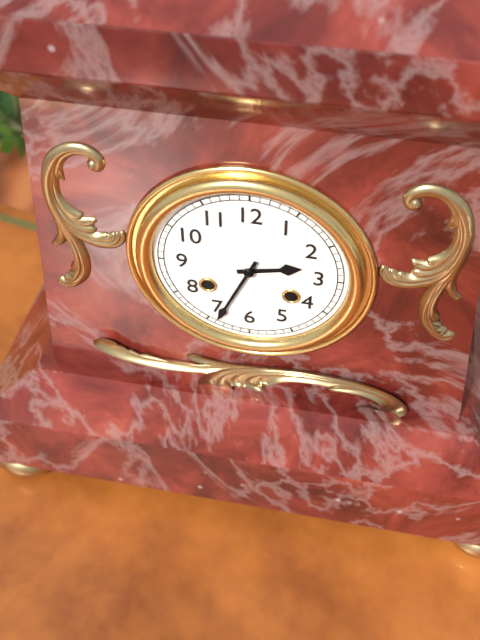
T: 2 h 34 min
